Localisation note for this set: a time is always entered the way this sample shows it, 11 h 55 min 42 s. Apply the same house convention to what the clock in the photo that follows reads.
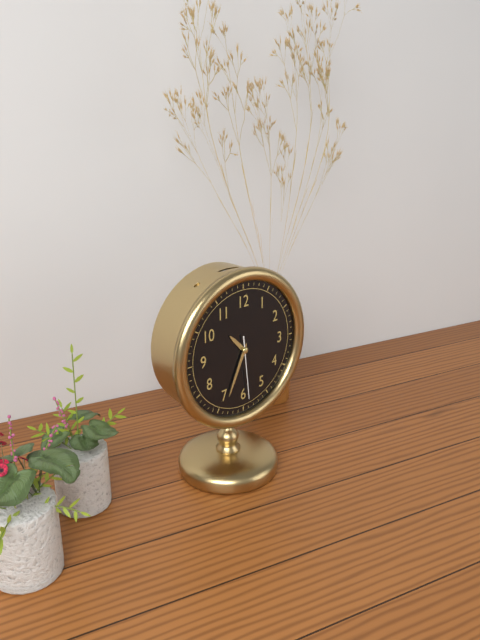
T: 10 h 34 min 29 s
